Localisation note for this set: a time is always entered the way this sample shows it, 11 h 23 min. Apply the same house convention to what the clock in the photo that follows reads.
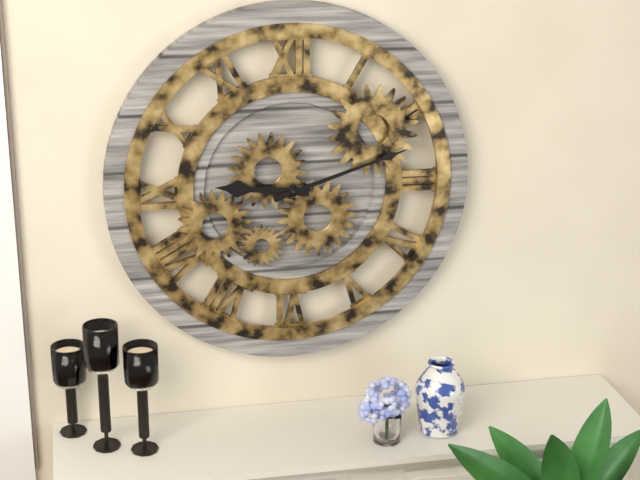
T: 9 h 12 min
